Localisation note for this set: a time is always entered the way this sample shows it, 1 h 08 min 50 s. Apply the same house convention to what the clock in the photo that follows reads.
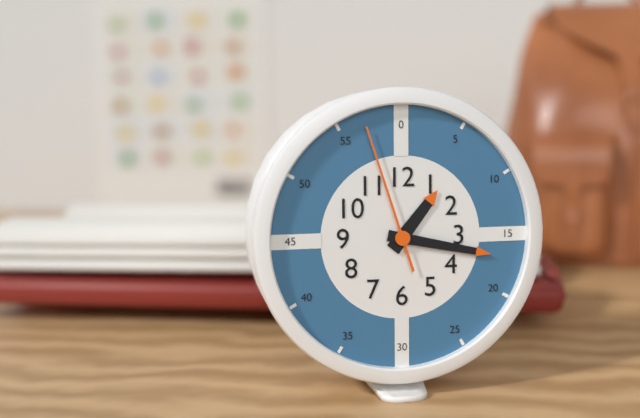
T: 1 h 17 min 57 s
